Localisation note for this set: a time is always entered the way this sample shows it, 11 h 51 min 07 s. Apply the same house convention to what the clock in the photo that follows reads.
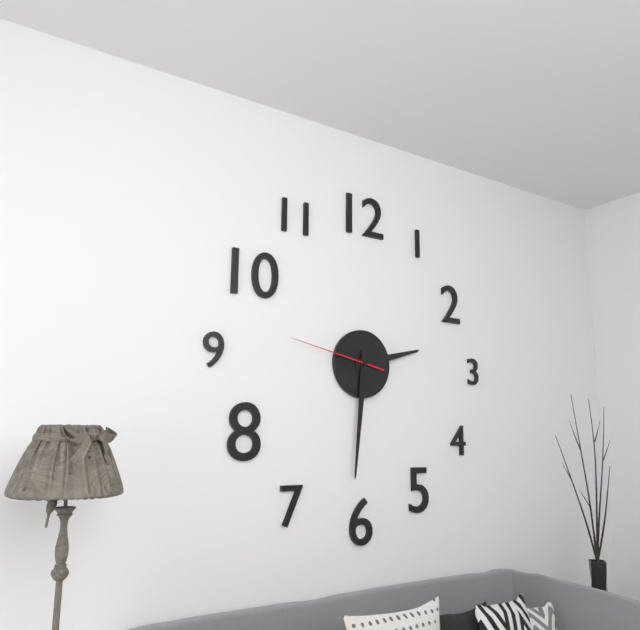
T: 2 h 31 min 47 s
